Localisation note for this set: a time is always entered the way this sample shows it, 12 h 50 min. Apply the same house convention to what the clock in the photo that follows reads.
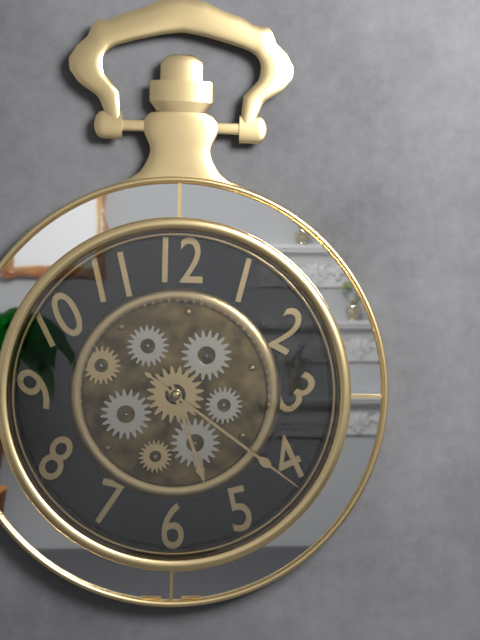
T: 5 h 21 min
